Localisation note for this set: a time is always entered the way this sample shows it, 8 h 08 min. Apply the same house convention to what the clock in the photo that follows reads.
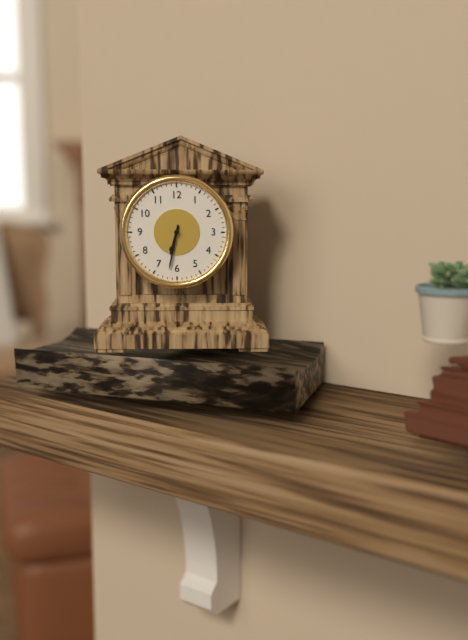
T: 6 h 32 min
